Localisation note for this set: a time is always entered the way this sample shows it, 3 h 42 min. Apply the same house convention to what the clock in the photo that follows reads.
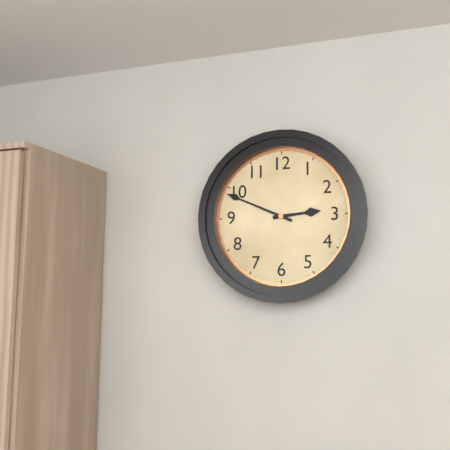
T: 2 h 49 min
